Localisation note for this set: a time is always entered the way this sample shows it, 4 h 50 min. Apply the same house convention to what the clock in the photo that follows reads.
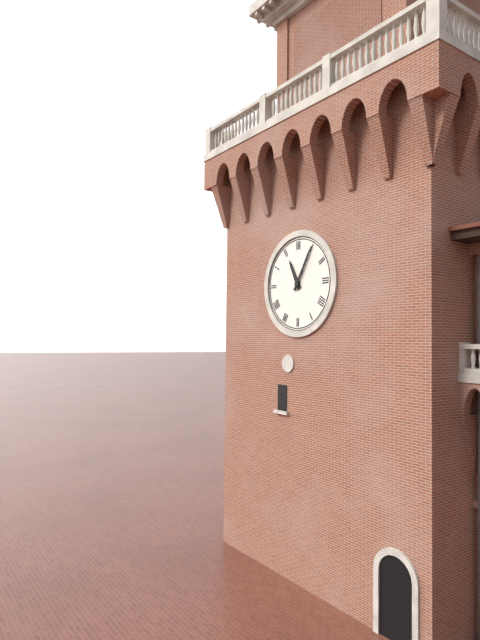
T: 11 h 05 min
